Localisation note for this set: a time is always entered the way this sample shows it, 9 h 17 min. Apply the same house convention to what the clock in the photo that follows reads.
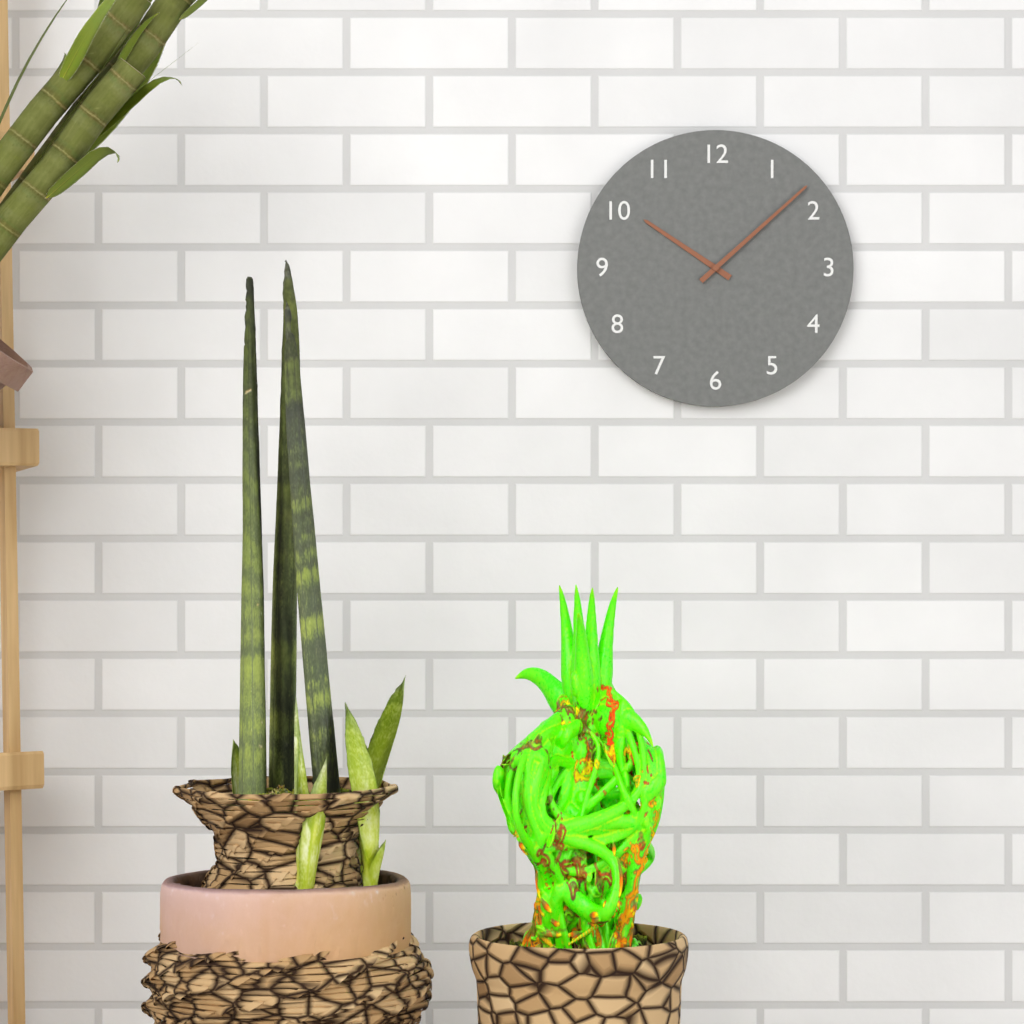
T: 10 h 08 min
